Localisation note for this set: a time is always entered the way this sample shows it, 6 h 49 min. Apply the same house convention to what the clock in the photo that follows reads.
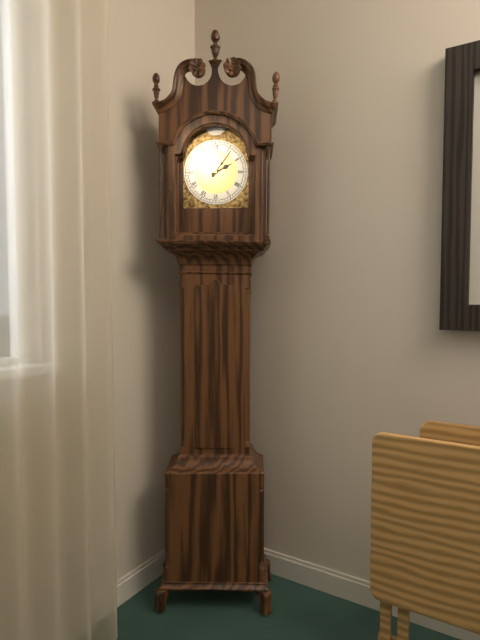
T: 2 h 06 min
